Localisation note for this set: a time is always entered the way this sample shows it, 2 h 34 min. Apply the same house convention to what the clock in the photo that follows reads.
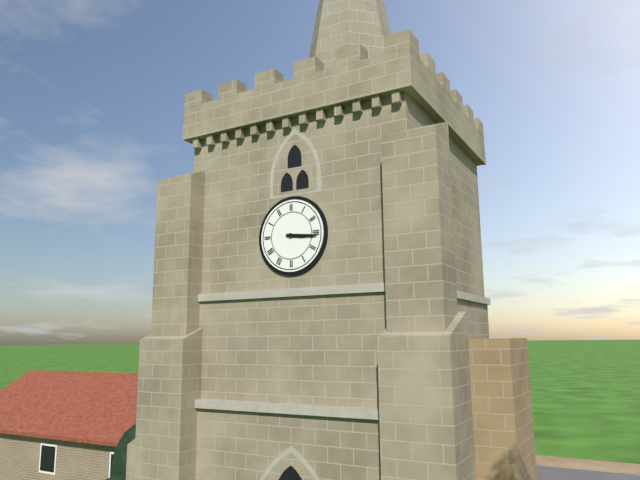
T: 3 h 16 min
